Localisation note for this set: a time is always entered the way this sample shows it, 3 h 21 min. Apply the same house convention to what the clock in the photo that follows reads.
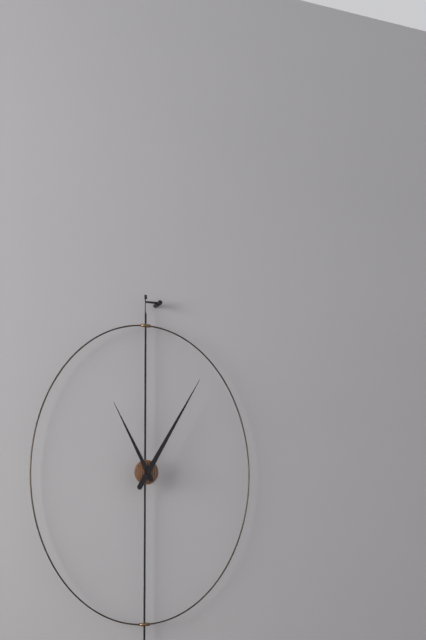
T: 11 h 05 min
